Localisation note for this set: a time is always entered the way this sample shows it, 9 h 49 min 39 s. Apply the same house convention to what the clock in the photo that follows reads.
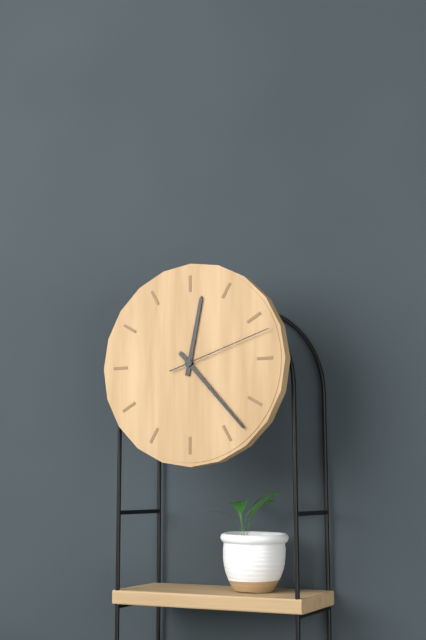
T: 12 h 23 min 12 s
